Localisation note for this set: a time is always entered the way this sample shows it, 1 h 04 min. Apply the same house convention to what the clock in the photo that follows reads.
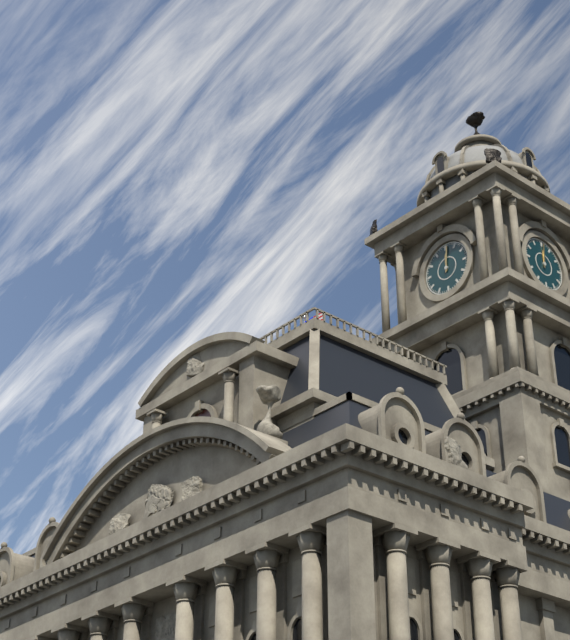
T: 12 h 01 min
